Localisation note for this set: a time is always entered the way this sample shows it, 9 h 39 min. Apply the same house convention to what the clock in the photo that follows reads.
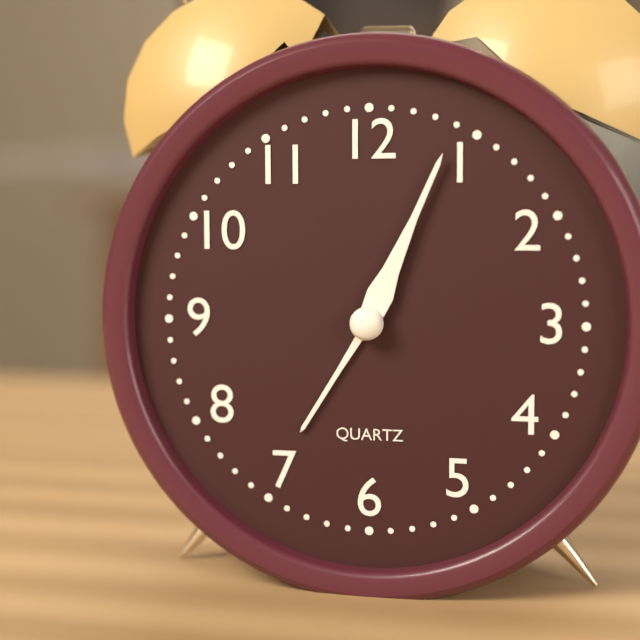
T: 7 h 04 min
